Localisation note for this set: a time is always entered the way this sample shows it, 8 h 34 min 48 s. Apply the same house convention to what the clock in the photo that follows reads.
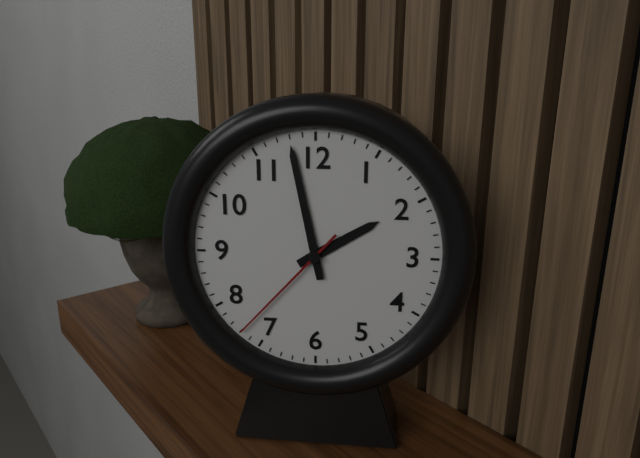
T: 1 h 58 min 37 s
